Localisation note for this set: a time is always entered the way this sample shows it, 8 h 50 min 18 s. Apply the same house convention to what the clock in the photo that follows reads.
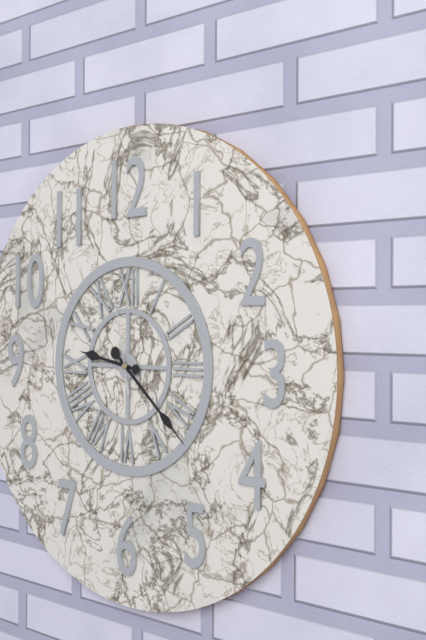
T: 9 h 22 min 58 s
